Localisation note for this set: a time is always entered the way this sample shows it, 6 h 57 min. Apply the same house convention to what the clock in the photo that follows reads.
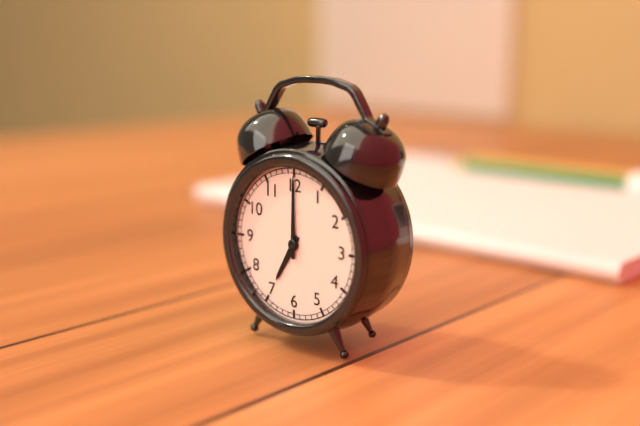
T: 7 h 00 min
